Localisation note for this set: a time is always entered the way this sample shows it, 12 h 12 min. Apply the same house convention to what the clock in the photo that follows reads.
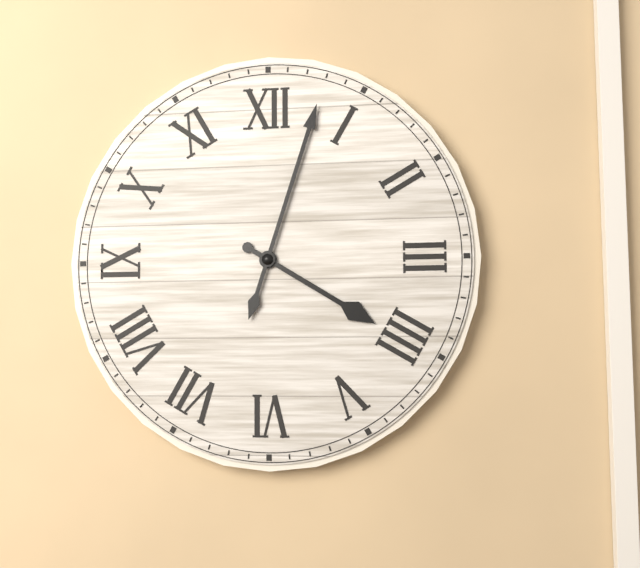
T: 4 h 03 min
